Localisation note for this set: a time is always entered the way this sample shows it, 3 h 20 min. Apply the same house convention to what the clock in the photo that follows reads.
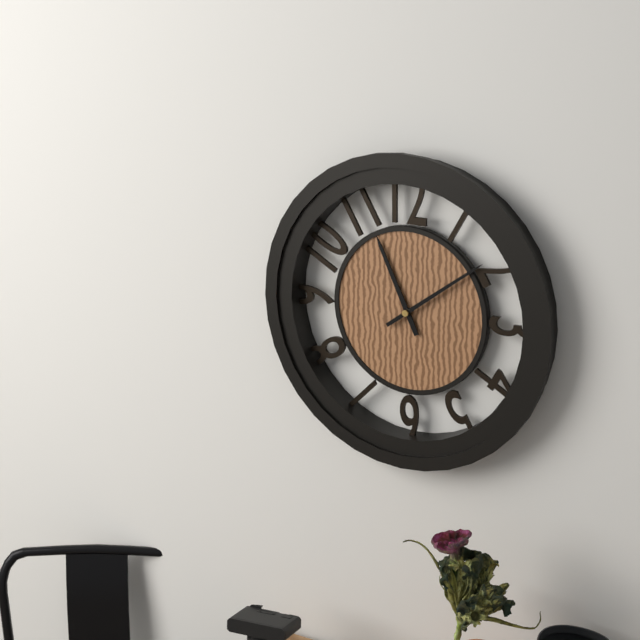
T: 11 h 09 min
